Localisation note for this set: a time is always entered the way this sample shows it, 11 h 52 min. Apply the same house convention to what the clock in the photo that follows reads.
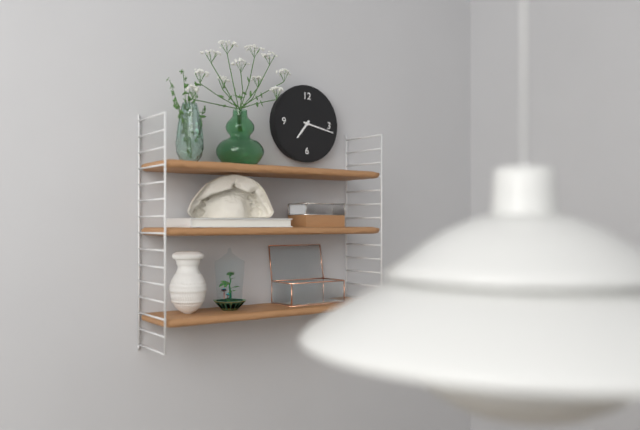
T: 7 h 17 min
